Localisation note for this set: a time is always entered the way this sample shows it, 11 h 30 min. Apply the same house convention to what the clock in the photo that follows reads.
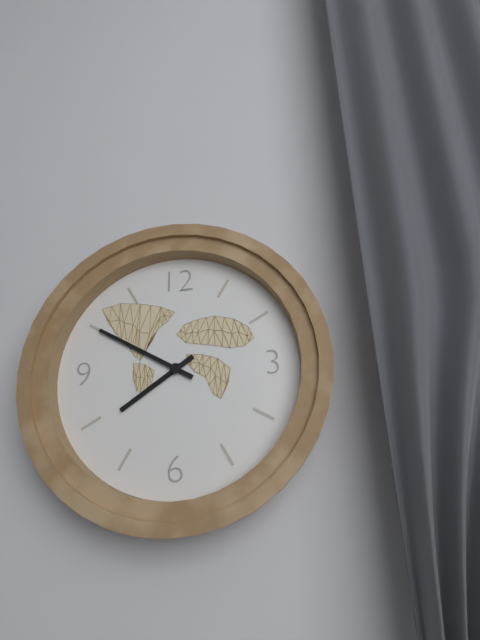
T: 7 h 50 min
